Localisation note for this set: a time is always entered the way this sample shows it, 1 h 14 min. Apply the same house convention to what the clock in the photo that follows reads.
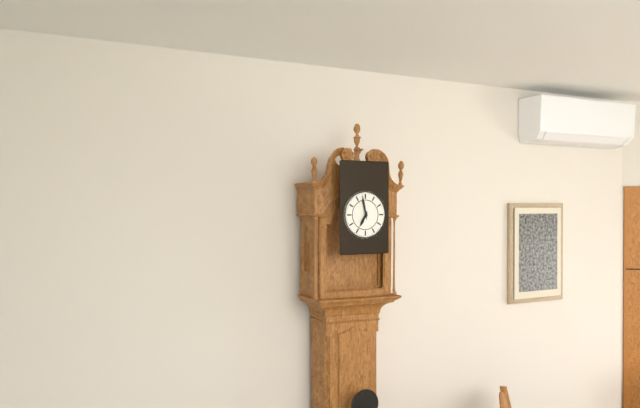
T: 6 h 58 min
